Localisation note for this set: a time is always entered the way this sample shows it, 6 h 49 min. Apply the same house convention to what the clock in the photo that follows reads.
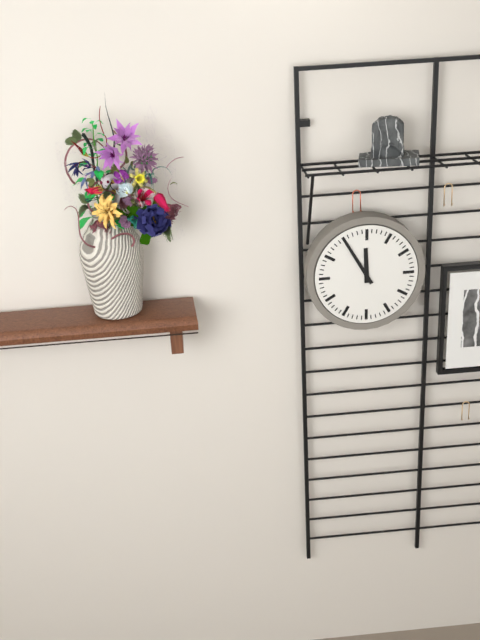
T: 11 h 55 min
